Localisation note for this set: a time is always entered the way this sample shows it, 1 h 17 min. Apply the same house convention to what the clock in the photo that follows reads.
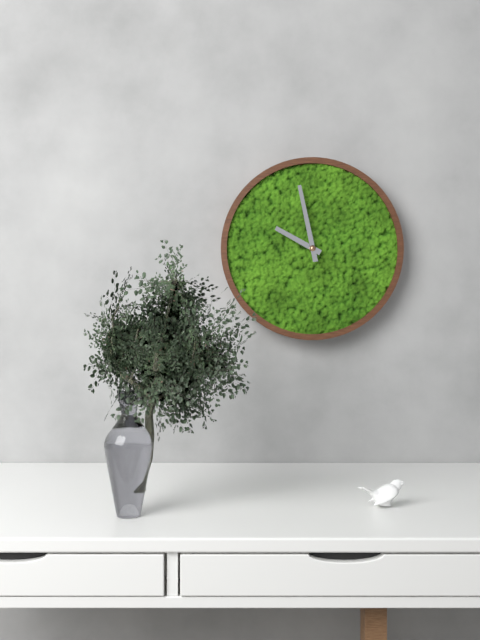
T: 9 h 58 min
